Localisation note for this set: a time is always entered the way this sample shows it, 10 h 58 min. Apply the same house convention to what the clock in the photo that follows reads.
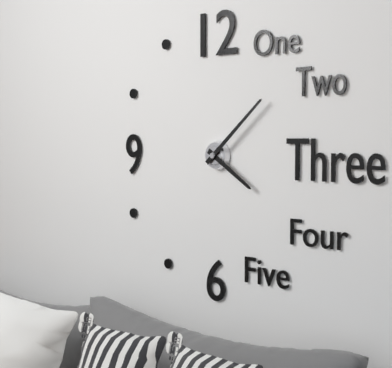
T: 4 h 08 min
